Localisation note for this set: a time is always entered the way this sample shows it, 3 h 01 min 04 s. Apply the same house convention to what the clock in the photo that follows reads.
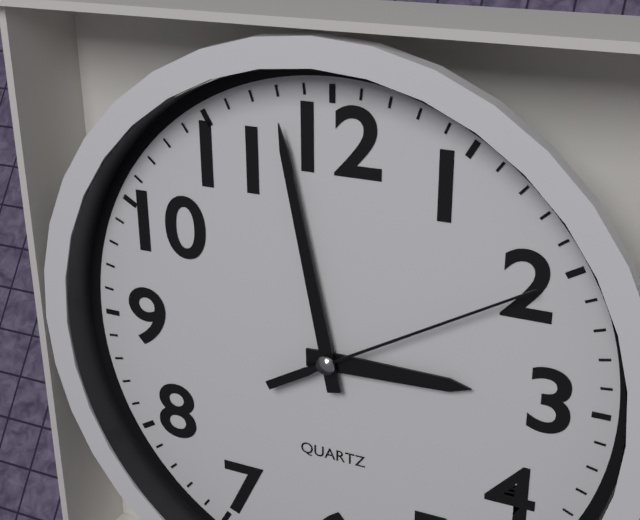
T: 2 h 58 min 10 s
